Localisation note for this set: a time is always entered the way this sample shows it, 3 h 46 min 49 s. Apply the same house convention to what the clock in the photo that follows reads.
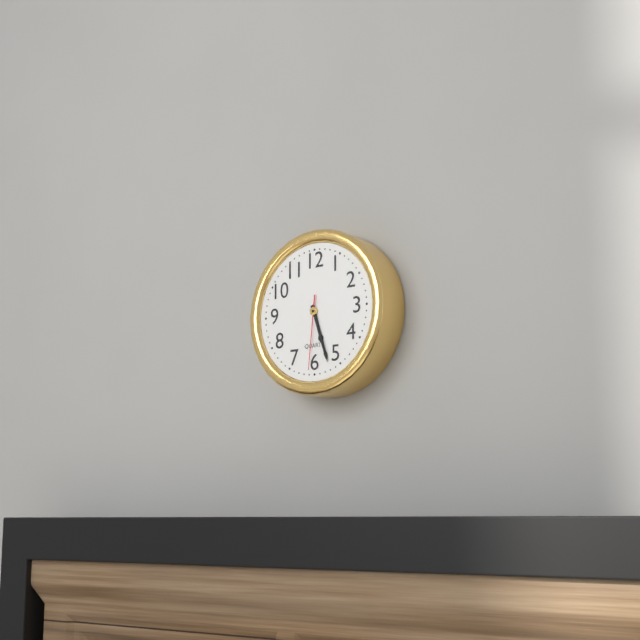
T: 5 h 27 min 31 s
